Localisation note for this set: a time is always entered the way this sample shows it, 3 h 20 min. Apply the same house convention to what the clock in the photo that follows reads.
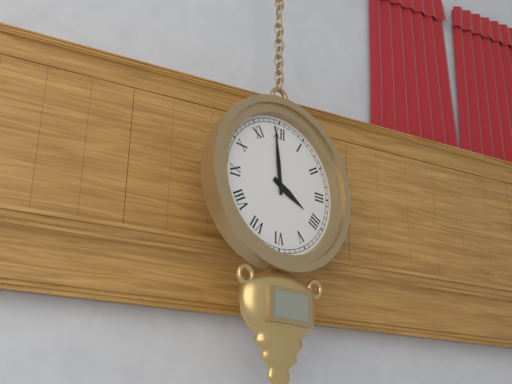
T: 3 h 59 min
